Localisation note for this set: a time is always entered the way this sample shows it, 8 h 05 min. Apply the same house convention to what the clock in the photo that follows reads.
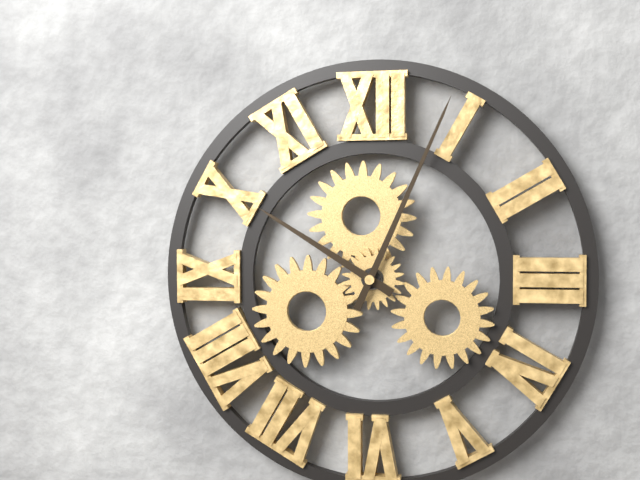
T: 10 h 04 min
